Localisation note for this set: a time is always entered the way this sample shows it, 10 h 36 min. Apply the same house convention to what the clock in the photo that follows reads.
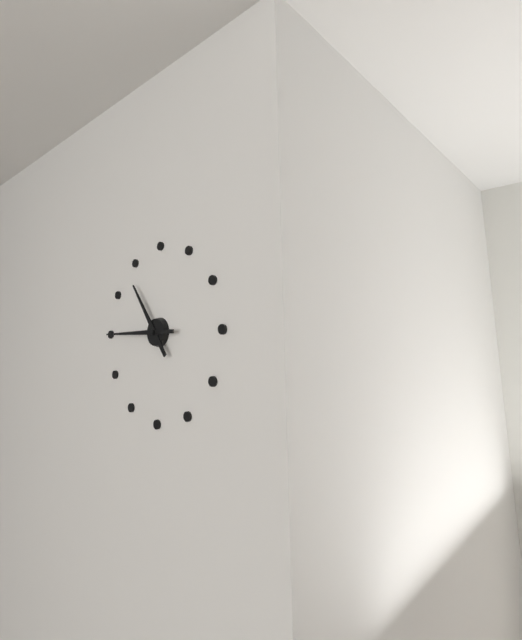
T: 10 h 45 min
